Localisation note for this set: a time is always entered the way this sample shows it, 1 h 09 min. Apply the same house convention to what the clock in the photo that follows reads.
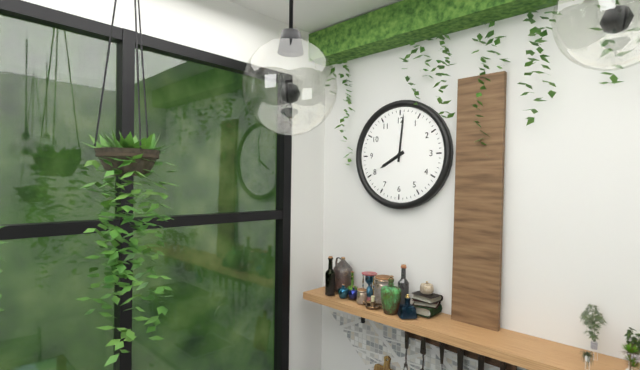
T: 8 h 01 min
